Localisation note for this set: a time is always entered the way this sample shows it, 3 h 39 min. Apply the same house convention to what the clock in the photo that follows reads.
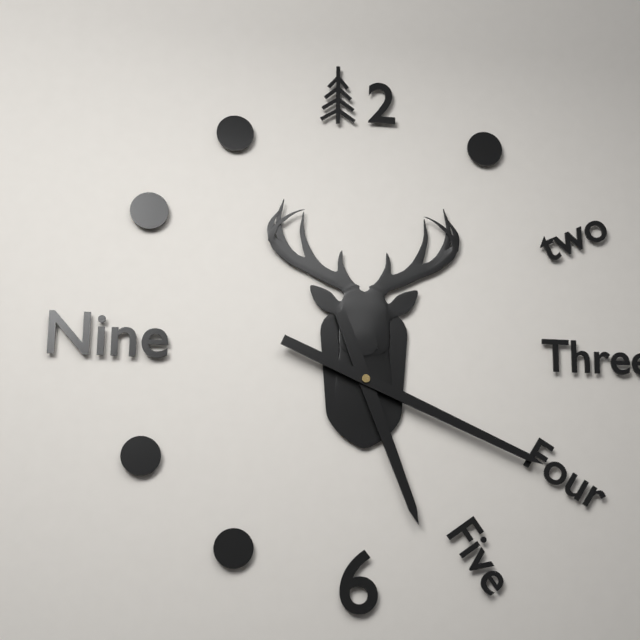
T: 5 h 19 min
